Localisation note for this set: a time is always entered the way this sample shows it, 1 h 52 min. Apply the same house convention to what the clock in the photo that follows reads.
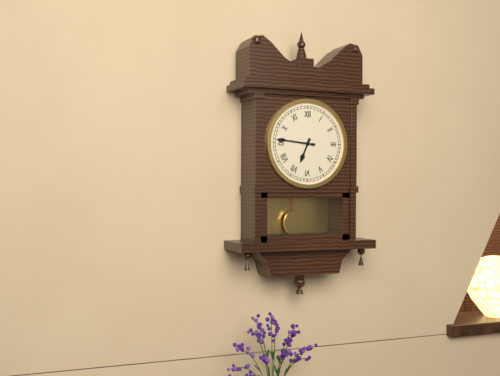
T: 6 h 46 min
